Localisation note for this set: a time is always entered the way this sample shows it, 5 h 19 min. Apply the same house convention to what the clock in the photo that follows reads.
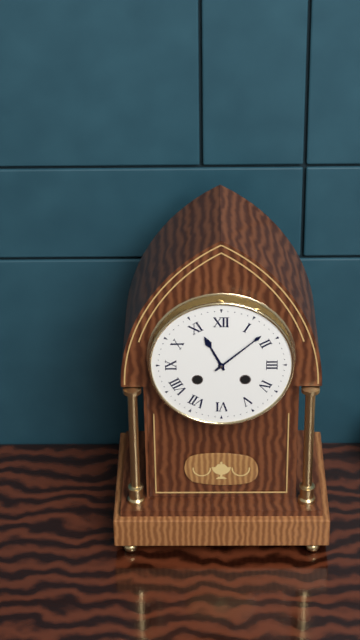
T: 11 h 08 min
